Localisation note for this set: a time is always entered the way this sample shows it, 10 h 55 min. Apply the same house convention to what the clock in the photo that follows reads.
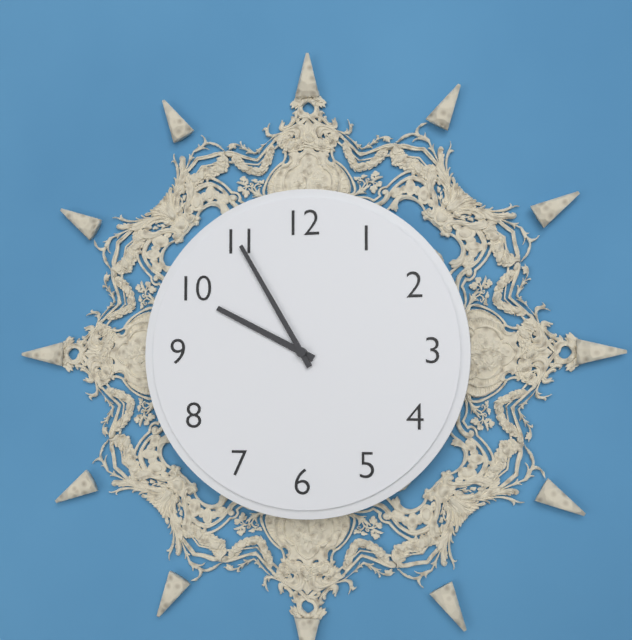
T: 9 h 55 min
